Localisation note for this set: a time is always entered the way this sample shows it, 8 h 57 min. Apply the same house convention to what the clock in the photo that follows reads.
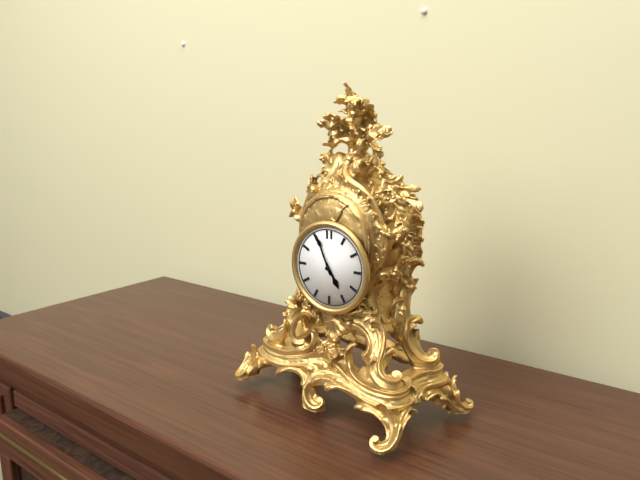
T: 4 h 56 min
